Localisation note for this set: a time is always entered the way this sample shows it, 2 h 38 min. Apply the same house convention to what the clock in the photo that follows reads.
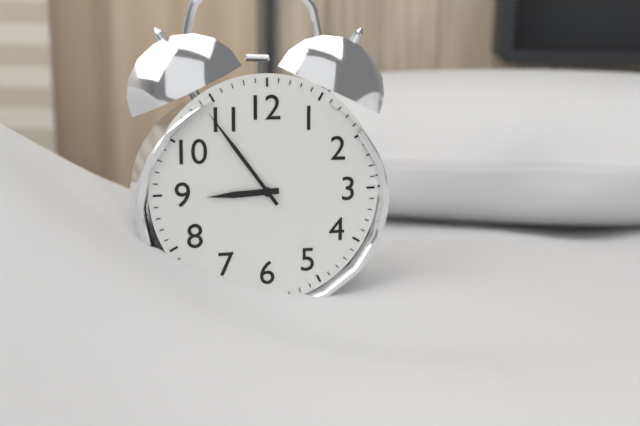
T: 8 h 54 min
